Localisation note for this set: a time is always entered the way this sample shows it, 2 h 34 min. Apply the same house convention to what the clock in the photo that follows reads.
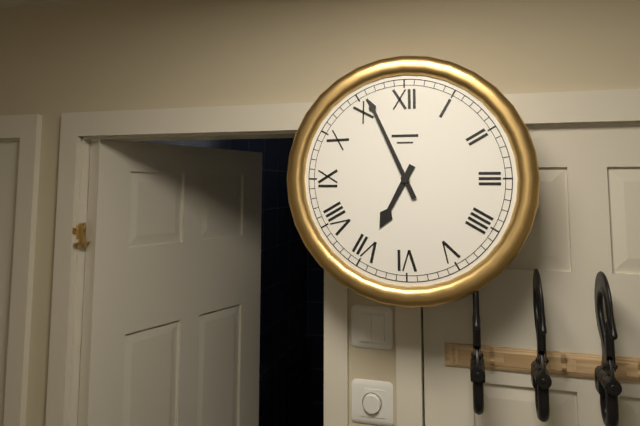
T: 6 h 56 min
